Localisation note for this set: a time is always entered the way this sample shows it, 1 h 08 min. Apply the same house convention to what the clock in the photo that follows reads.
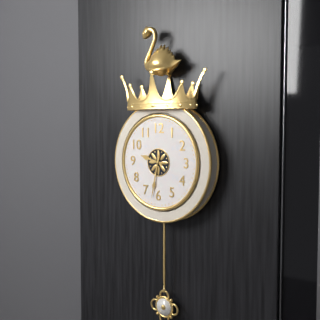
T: 9 h 32 min
